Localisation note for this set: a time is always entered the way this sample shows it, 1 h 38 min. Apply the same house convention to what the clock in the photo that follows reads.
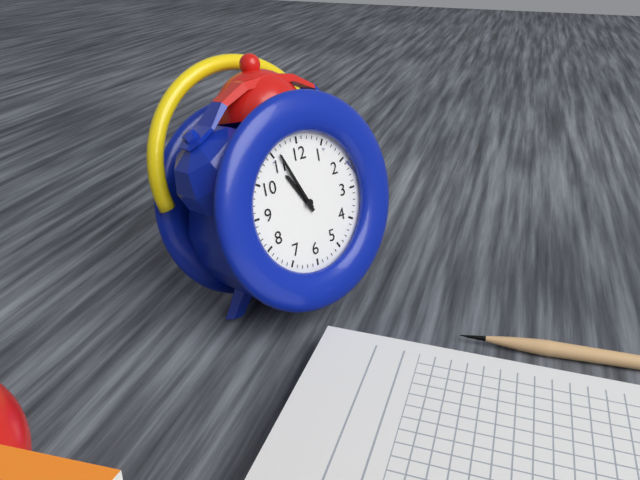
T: 10 h 56 min
